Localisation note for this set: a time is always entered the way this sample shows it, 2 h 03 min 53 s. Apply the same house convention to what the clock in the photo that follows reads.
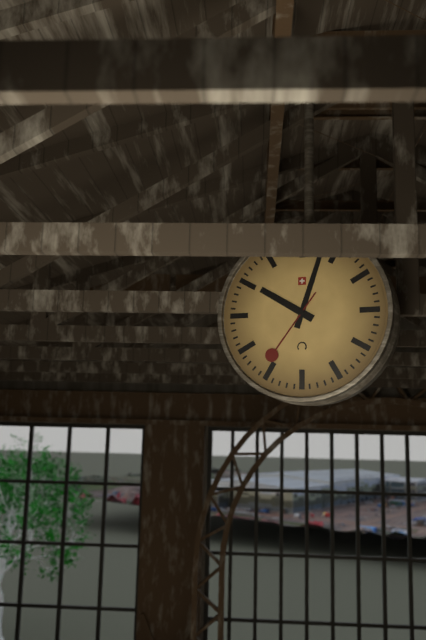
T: 10 h 03 min 36 s
